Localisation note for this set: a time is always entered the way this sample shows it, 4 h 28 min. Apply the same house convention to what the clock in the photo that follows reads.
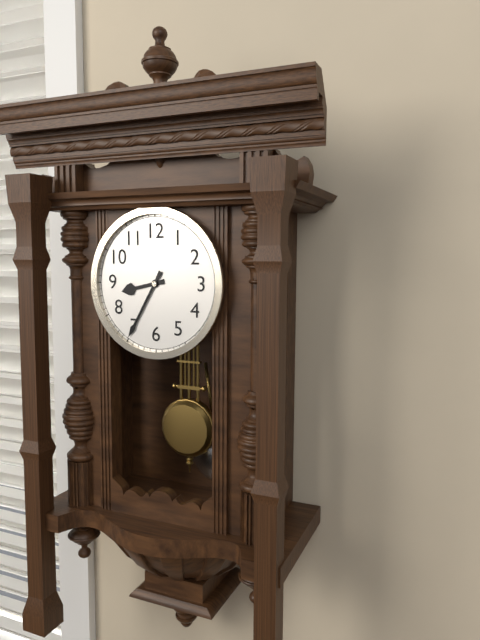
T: 8 h 35 min
